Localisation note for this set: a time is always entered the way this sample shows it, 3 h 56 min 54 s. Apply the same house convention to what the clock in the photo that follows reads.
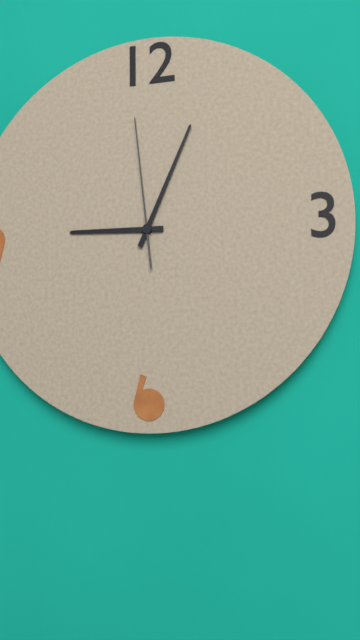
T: 9 h 04 min 59 s
